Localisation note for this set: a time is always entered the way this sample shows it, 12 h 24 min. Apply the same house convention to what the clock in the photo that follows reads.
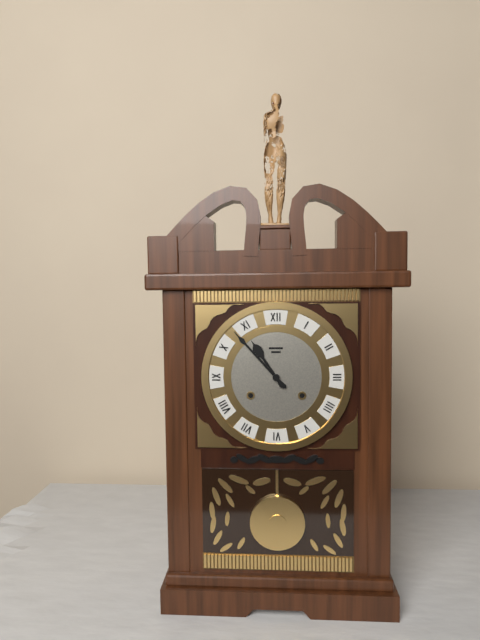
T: 10 h 53 min
